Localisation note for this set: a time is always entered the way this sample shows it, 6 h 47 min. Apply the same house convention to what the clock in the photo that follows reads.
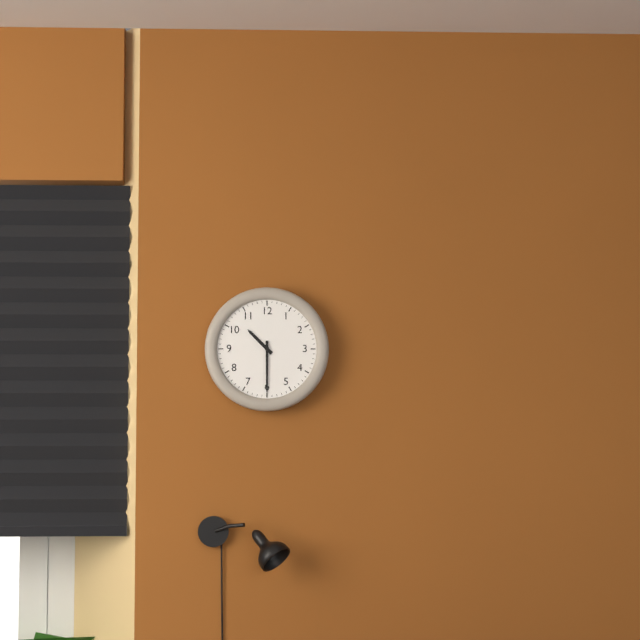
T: 10 h 30 min
